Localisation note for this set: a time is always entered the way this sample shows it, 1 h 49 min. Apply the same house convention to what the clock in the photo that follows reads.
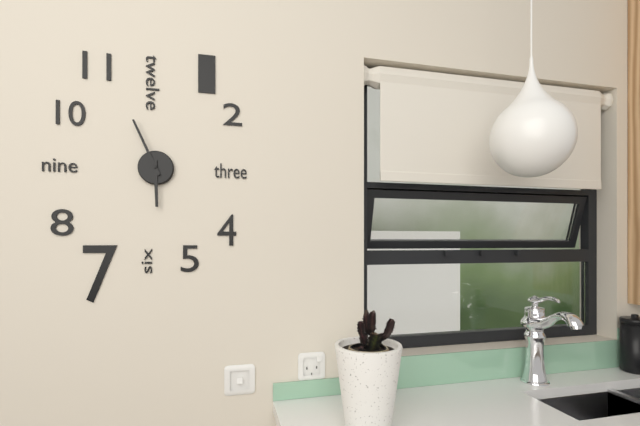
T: 5 h 56 min
